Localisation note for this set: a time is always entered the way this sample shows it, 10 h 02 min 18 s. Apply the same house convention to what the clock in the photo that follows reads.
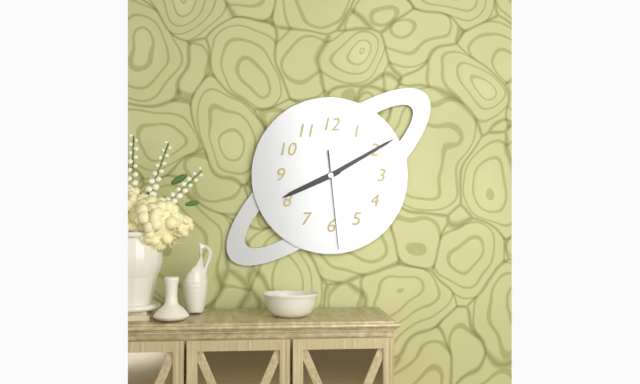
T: 8 h 10 min 29 s
